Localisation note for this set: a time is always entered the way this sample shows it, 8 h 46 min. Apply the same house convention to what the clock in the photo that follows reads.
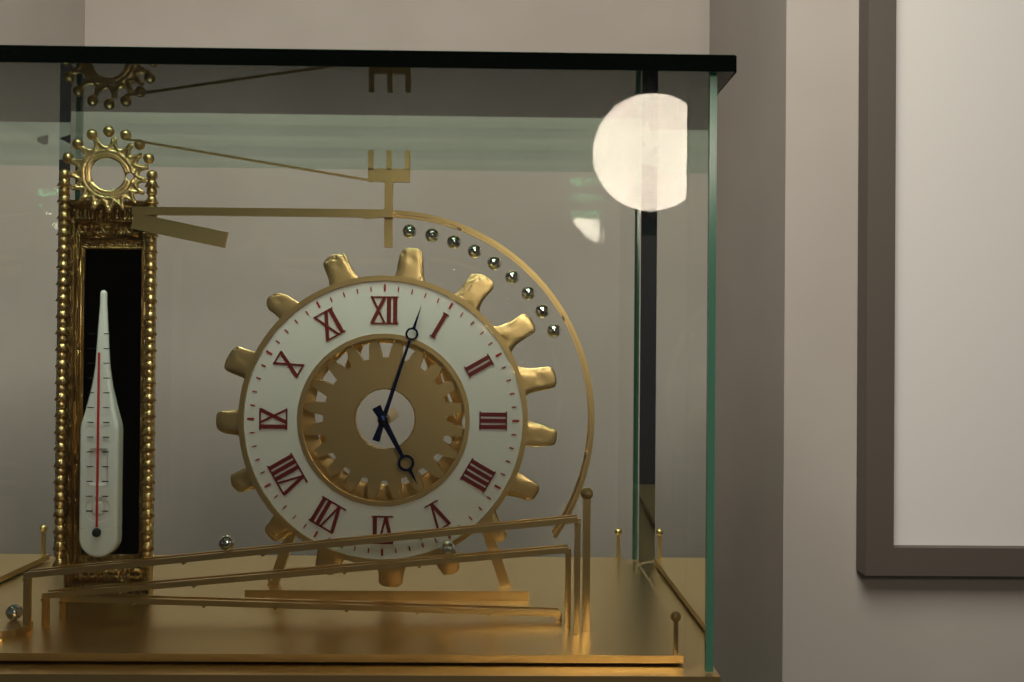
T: 5 h 03 min
